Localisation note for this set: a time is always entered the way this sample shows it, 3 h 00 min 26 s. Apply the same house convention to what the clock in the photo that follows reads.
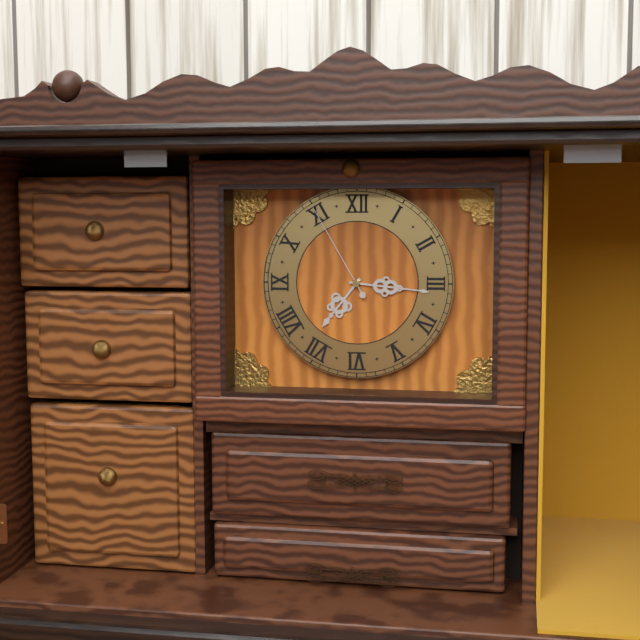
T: 7 h 16 min 55 s
